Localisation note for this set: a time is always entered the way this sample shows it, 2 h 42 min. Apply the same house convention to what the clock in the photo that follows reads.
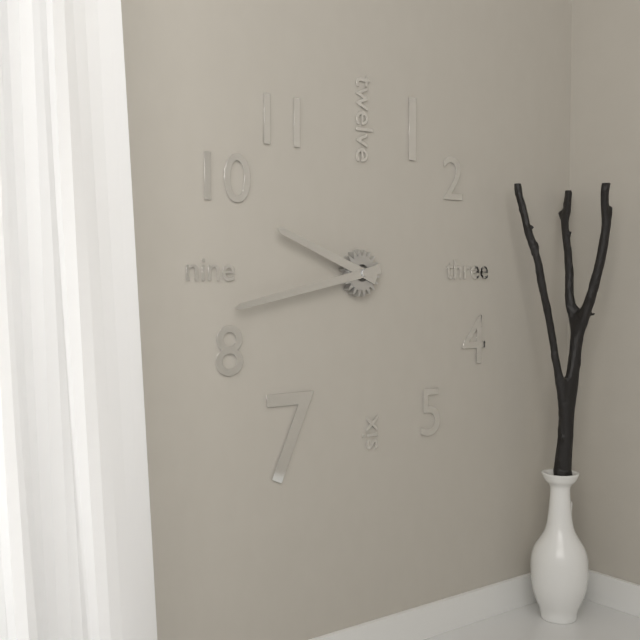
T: 9 h 43 min
